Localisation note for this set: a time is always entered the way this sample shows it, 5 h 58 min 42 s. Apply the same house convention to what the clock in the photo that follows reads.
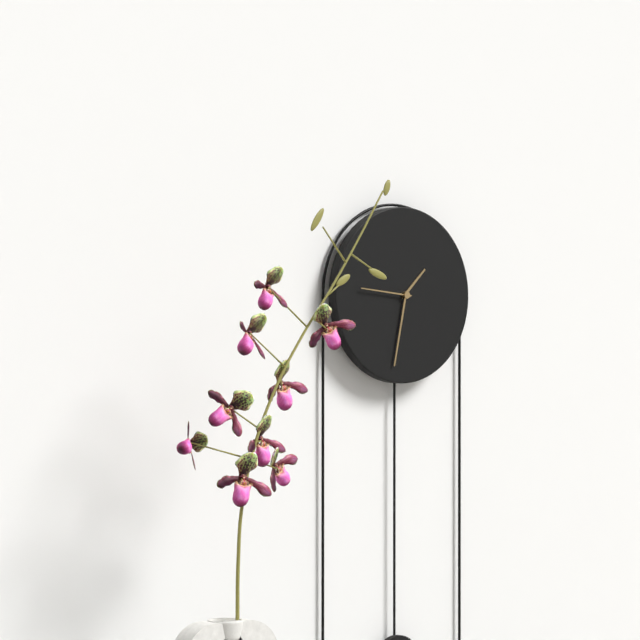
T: 1 h 32 min 46 s
